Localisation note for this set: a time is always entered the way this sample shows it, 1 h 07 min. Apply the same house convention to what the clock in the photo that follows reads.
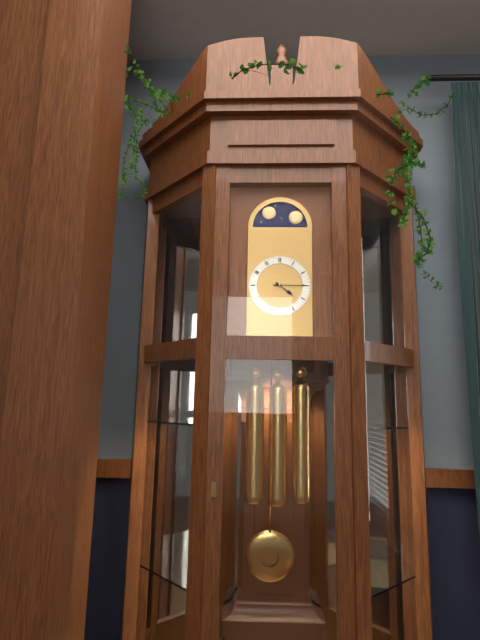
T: 4 h 15 min
